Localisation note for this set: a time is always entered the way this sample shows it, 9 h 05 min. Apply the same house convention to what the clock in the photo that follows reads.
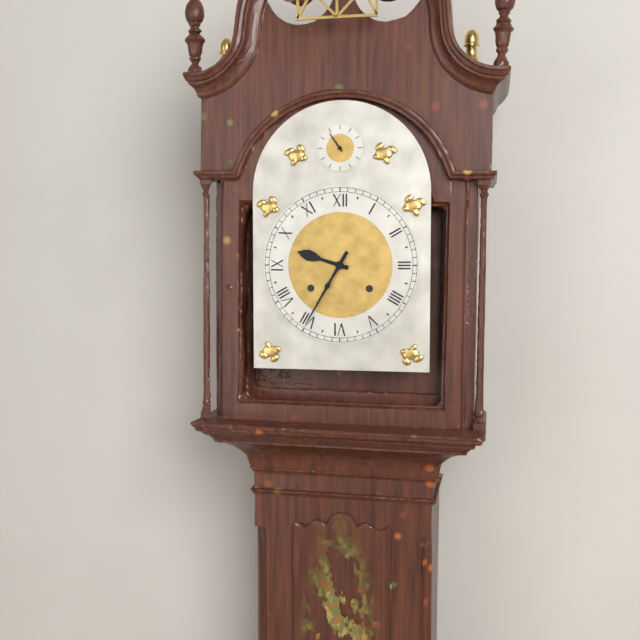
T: 9 h 35 min
